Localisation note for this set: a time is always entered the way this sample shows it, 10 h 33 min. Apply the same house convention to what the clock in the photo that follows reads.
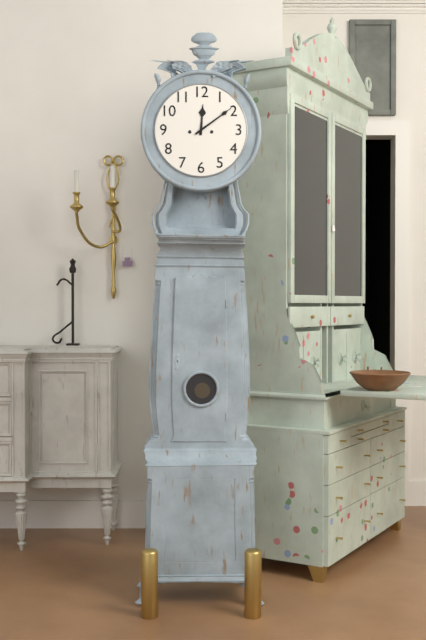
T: 12 h 09 min
